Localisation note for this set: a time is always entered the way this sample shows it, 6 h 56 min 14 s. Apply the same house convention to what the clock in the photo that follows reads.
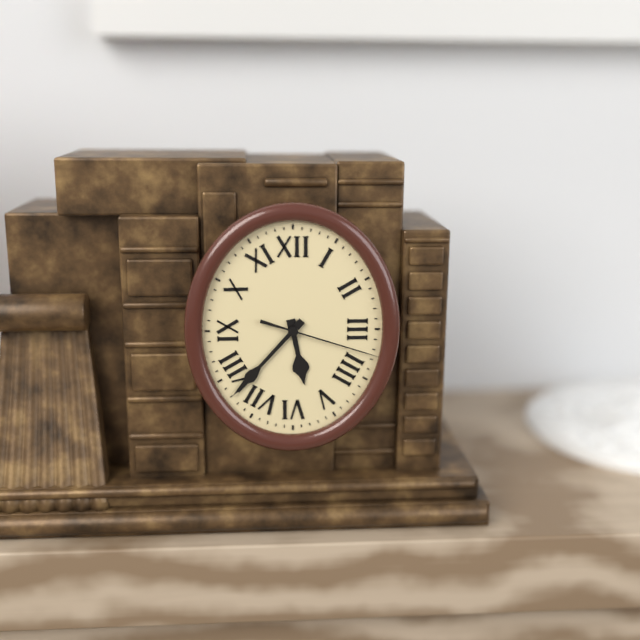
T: 5 h 37 min 18 s
